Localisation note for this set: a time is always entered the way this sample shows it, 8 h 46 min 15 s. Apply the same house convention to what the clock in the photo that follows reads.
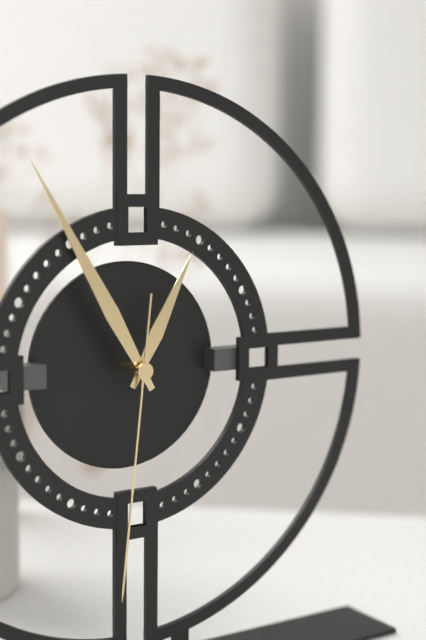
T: 12 h 55 min 31 s
